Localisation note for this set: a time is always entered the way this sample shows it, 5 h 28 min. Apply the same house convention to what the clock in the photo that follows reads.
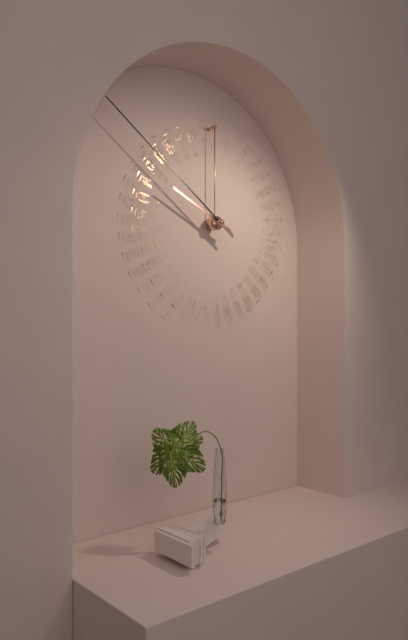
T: 9 h 51 min
